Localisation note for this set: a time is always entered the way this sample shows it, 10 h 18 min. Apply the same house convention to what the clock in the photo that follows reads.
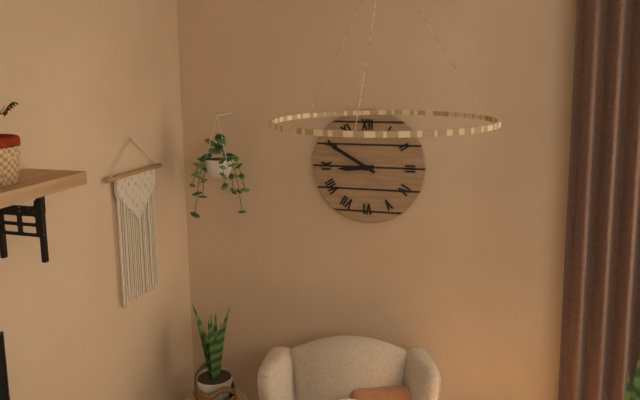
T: 8 h 50 min
